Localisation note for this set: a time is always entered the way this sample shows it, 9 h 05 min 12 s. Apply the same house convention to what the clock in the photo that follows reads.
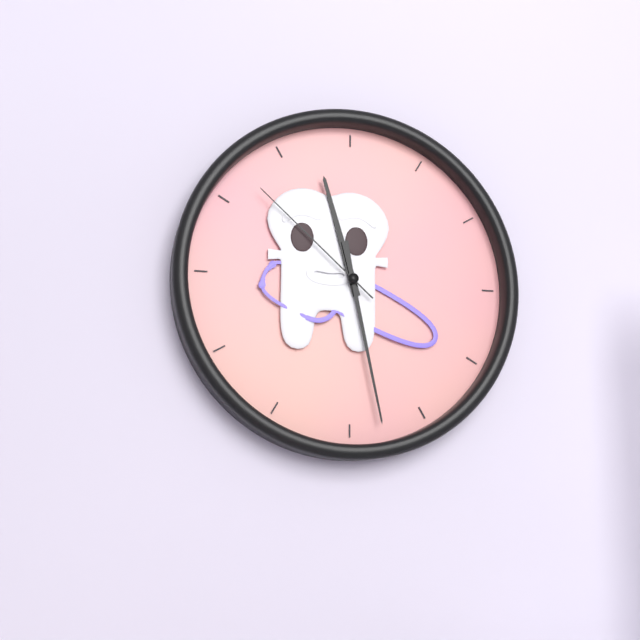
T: 11 h 28 min 52 s
